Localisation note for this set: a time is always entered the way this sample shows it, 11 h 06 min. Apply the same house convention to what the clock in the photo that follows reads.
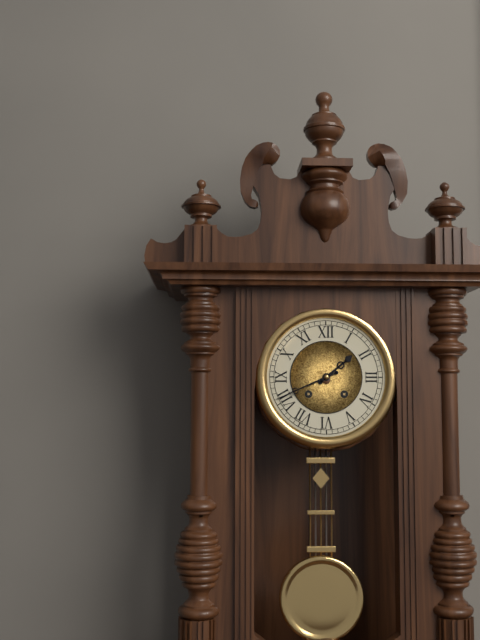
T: 1 h 41 min
